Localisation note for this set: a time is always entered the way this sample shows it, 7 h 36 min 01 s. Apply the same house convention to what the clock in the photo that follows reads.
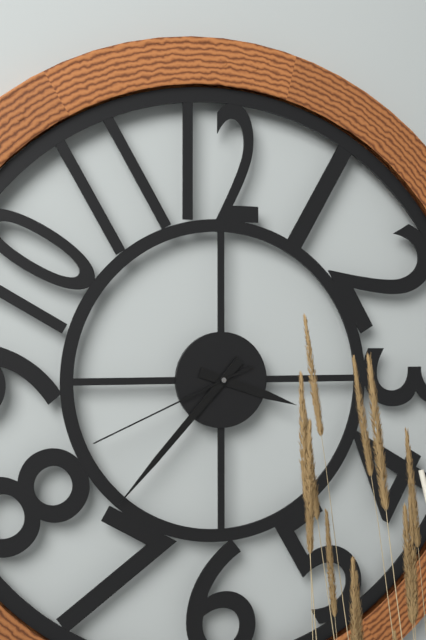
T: 3 h 37 min 41 s
